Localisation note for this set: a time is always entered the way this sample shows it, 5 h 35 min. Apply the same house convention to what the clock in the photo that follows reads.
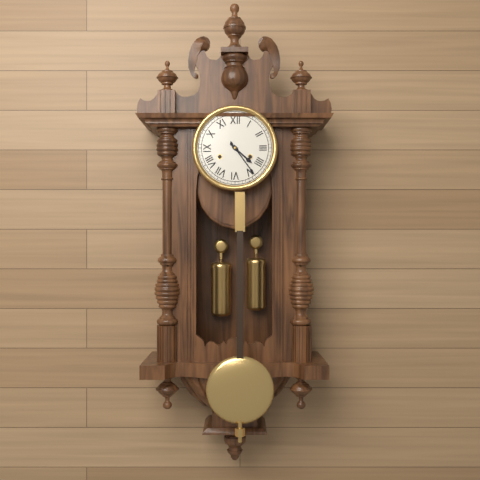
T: 4 h 24 min
